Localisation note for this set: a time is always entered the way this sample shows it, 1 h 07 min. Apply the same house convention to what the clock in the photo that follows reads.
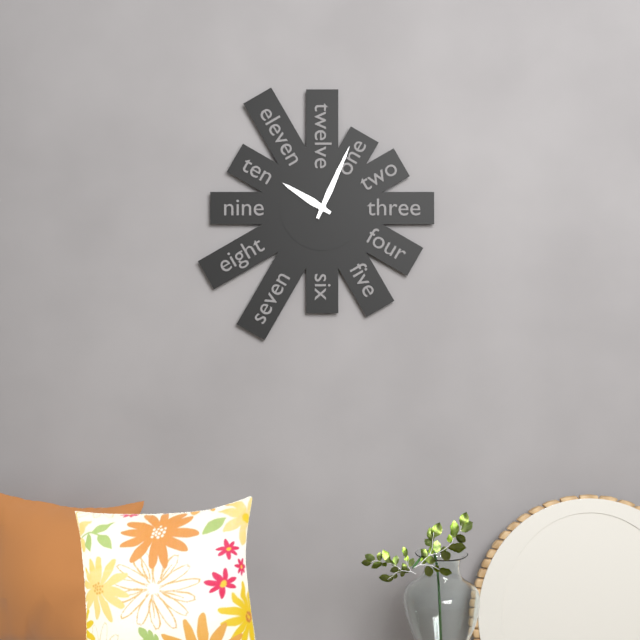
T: 10 h 04 min
